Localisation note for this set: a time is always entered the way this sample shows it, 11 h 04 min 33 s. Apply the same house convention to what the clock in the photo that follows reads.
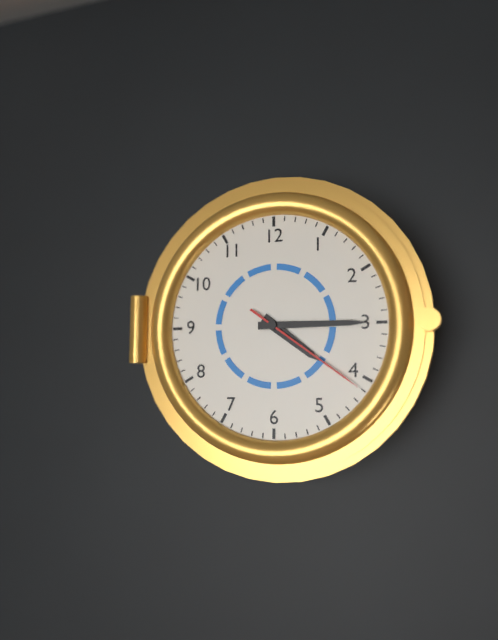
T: 4 h 15 min 21 s
